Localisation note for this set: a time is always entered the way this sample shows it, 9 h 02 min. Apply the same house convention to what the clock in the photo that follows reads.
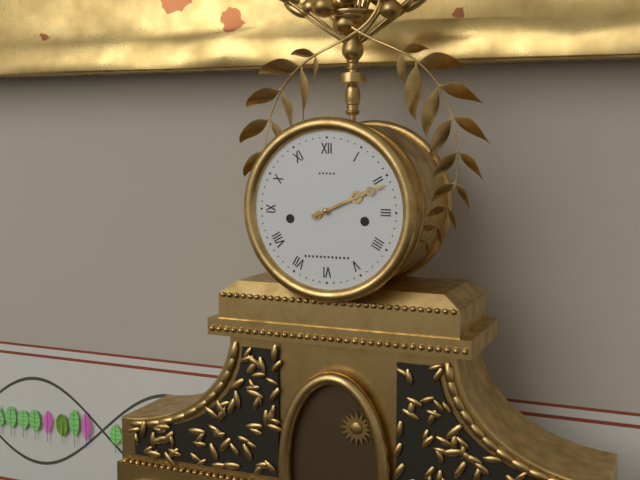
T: 2 h 11 min
